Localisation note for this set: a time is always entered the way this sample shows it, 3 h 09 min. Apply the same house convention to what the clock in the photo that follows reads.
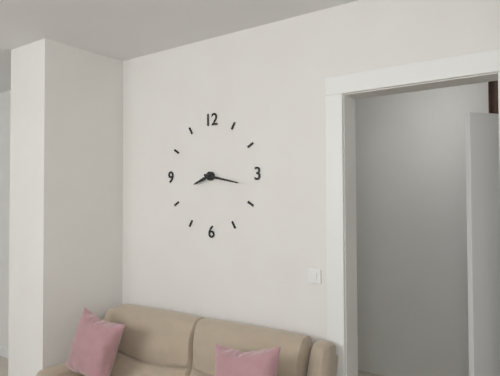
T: 8 h 17 min
